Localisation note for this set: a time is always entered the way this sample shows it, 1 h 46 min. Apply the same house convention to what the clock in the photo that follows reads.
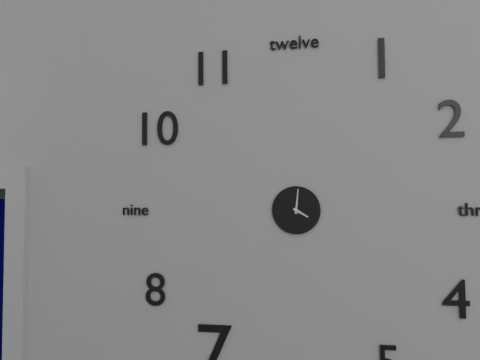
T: 4 h 01 min
